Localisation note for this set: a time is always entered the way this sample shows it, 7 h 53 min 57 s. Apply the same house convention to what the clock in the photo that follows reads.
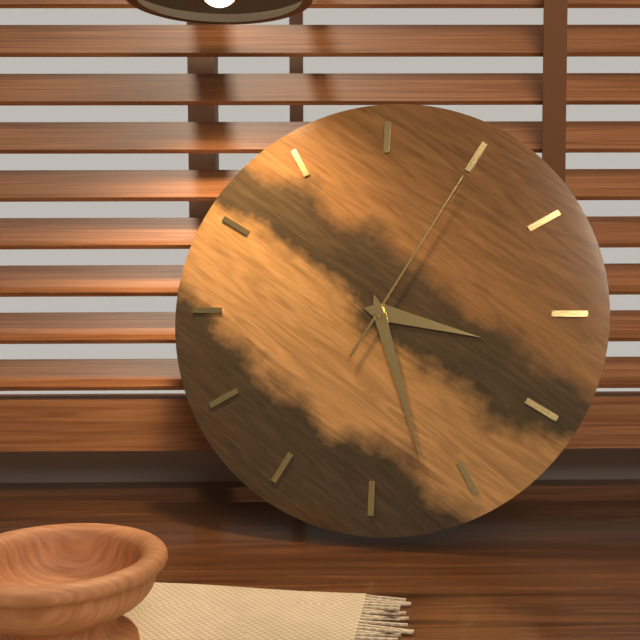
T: 3 h 27 min 05 s
